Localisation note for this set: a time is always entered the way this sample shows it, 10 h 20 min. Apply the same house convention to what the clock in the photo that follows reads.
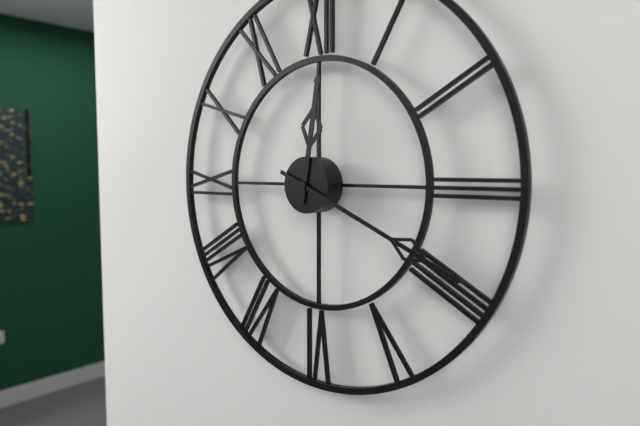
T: 12 h 19 min
